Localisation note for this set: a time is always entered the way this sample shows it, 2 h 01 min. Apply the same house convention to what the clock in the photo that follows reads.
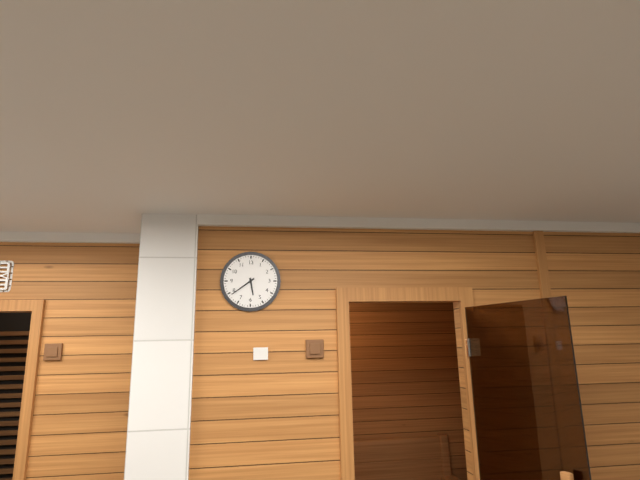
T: 5 h 39 min
